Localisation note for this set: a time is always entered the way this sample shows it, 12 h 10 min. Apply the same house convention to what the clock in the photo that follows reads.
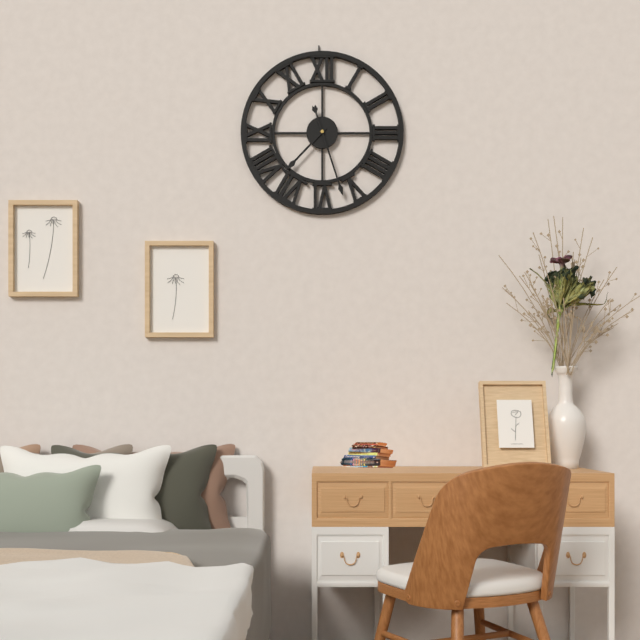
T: 7 h 27 min
